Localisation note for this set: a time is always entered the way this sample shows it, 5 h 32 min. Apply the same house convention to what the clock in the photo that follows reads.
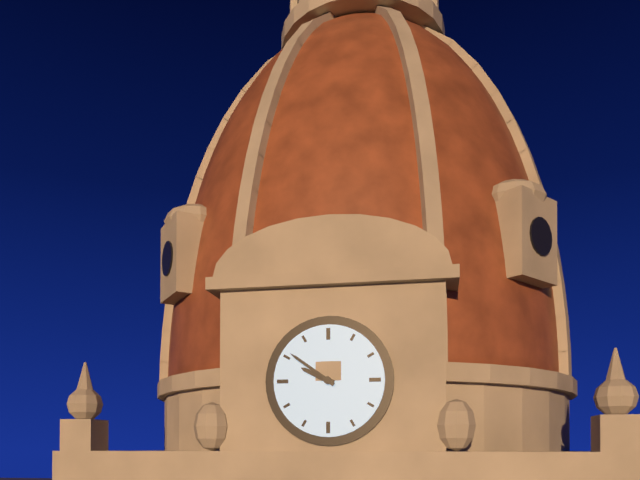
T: 9 h 51 min
